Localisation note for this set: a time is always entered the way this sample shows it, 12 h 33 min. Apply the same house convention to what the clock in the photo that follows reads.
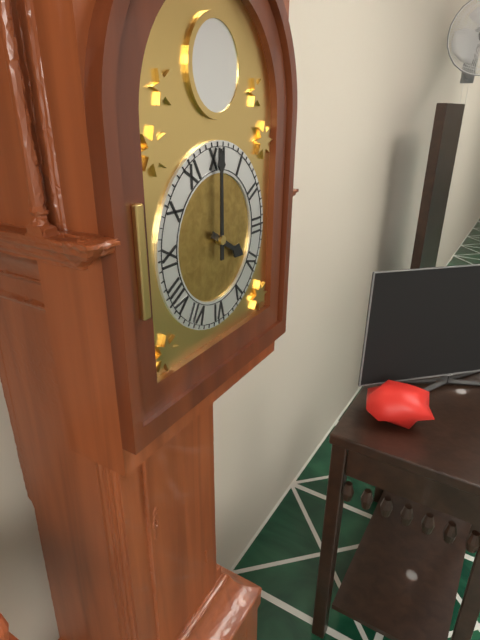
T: 4 h 00 min
